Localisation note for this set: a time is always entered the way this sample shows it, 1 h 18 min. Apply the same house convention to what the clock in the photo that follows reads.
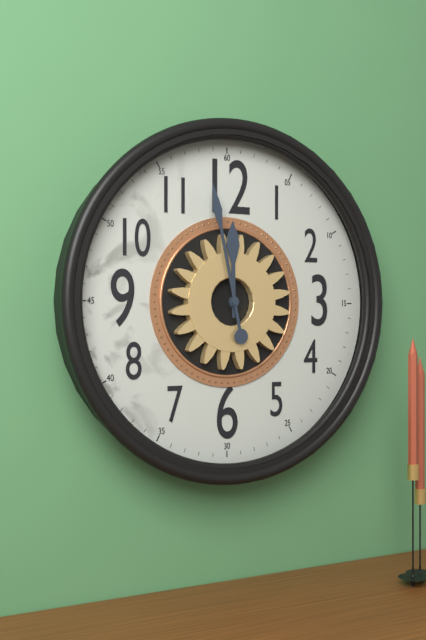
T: 11 h 58 min
